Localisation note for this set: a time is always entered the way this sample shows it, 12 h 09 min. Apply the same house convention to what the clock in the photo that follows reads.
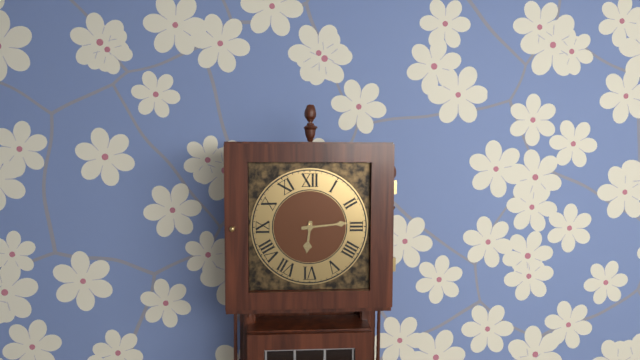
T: 6 h 14 min
